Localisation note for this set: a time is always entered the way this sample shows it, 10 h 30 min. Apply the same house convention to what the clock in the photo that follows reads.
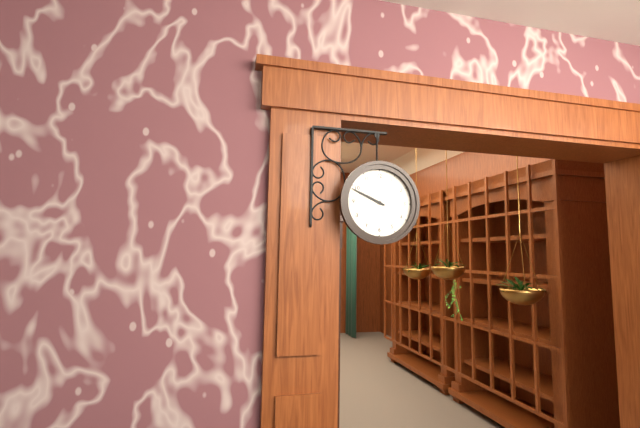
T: 9 h 49 min
